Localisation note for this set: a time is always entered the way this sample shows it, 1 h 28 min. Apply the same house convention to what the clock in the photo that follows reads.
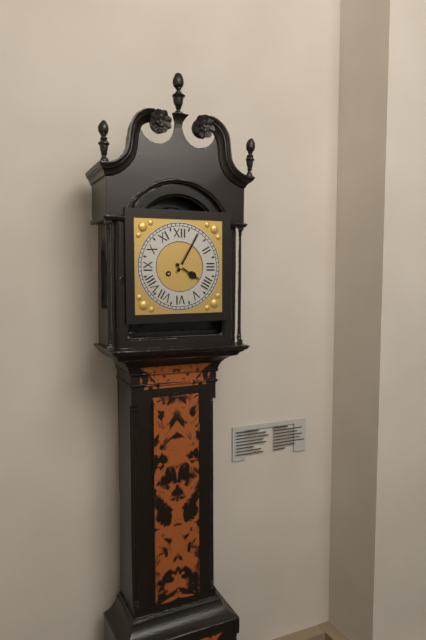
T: 4 h 05 min
